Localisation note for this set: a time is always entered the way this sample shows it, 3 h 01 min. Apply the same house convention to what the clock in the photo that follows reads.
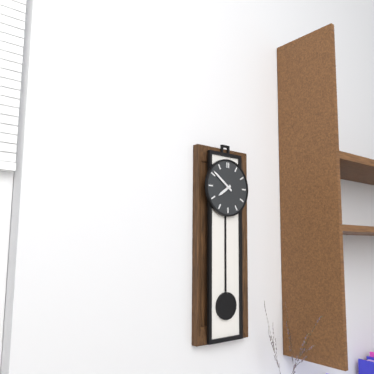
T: 7 h 51 min
